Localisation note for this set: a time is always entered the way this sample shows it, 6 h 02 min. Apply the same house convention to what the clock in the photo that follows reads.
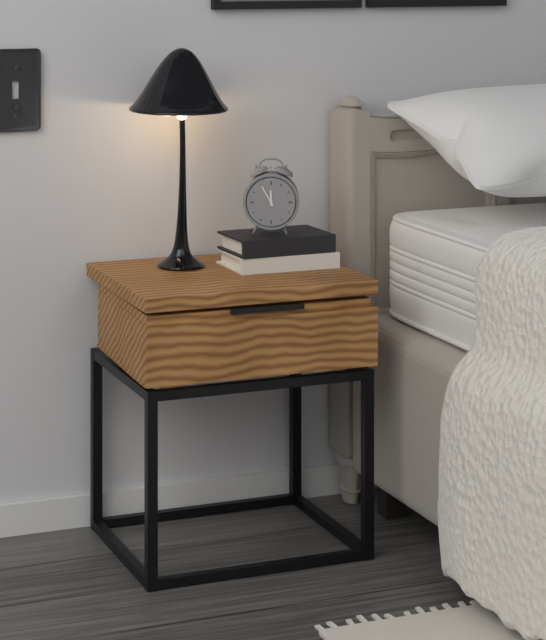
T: 11 h 55 min
